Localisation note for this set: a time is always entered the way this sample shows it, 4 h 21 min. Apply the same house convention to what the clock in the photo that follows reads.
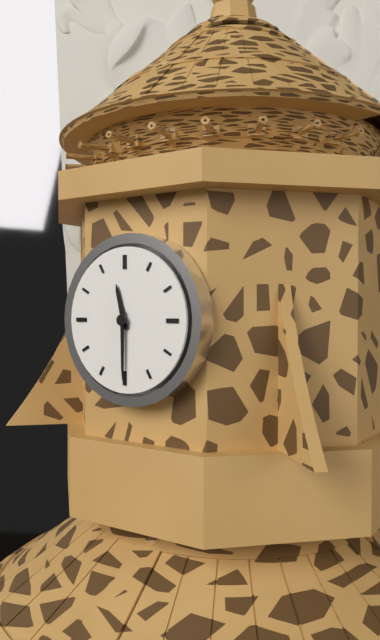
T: 11 h 30 min
